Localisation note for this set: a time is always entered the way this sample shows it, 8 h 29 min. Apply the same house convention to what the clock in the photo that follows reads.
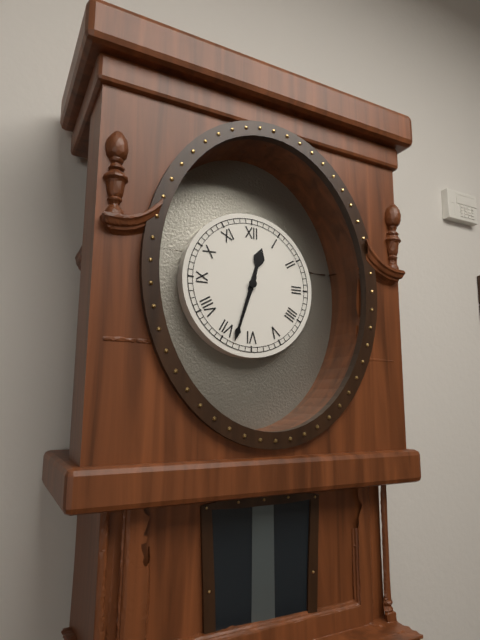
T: 12 h 33 min
